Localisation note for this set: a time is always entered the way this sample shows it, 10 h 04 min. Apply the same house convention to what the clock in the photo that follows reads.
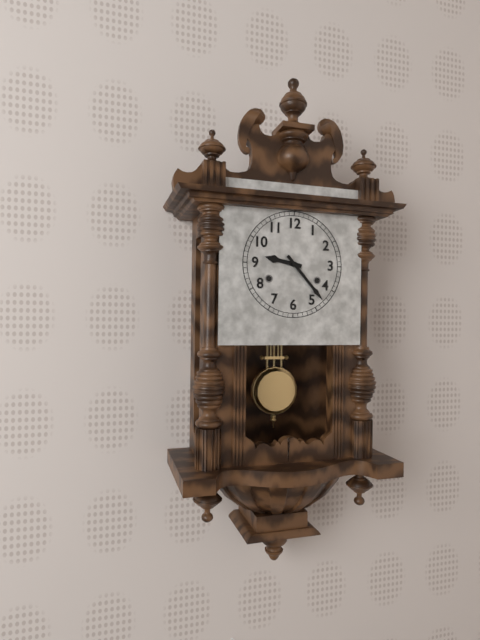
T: 9 h 23 min
